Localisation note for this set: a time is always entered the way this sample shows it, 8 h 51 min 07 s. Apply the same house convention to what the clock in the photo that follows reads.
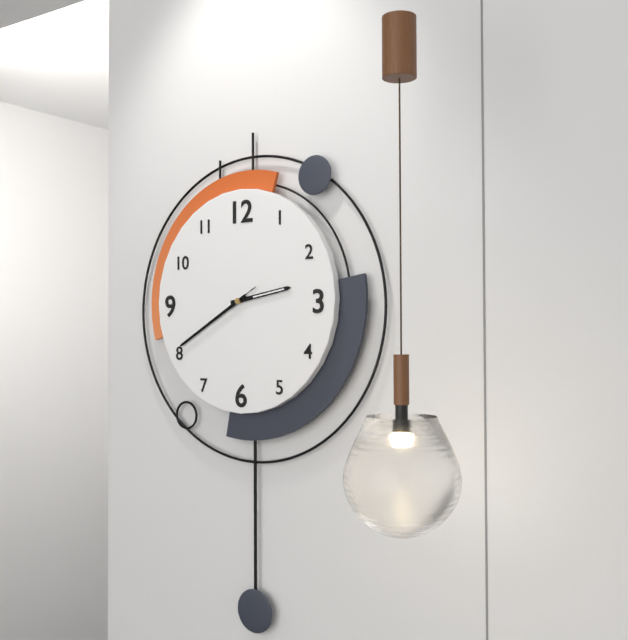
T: 2 h 40 min 40 s
